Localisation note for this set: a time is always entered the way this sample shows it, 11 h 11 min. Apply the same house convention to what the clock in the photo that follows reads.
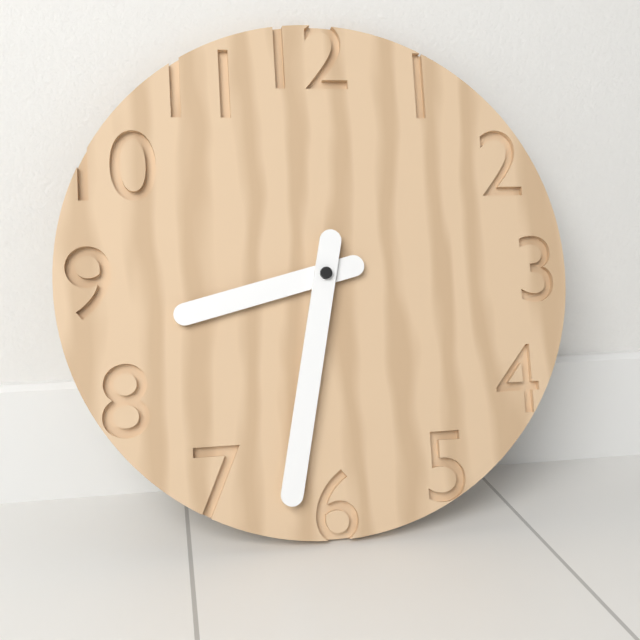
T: 8 h 32 min
